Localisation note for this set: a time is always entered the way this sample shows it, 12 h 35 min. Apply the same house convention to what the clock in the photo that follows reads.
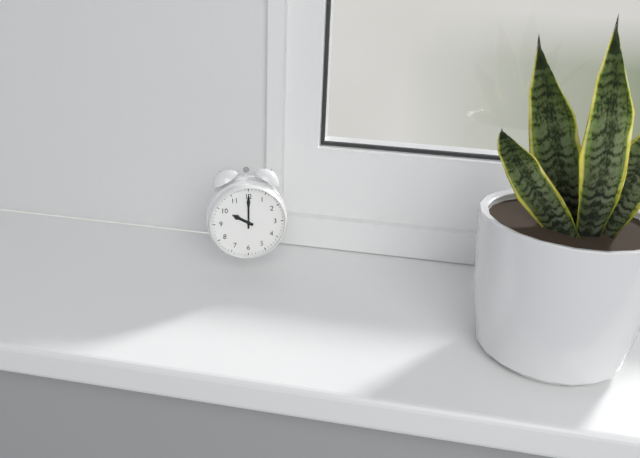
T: 10 h 00 min
